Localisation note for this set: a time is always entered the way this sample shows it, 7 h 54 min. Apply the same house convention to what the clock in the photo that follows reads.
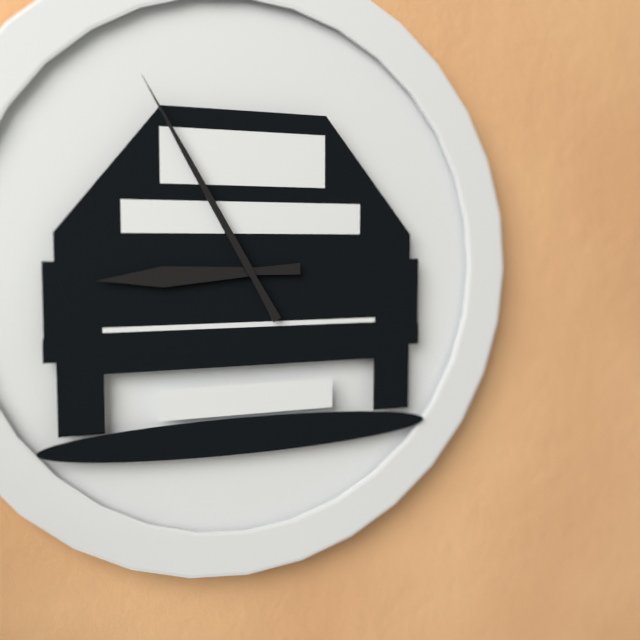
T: 8 h 55 min
